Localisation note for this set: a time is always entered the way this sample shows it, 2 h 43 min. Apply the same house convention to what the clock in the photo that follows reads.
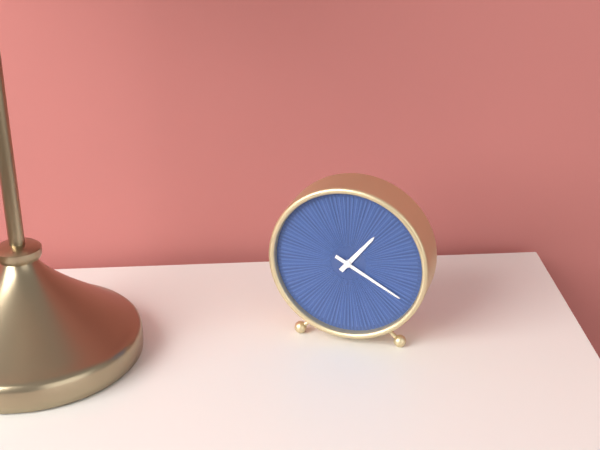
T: 1 h 20 min
